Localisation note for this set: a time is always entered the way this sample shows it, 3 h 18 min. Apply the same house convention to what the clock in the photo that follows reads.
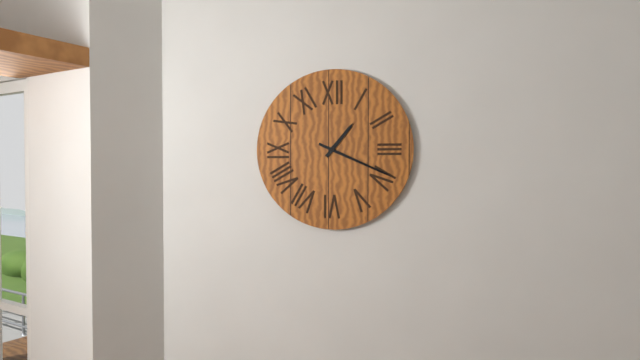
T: 1 h 19 min
